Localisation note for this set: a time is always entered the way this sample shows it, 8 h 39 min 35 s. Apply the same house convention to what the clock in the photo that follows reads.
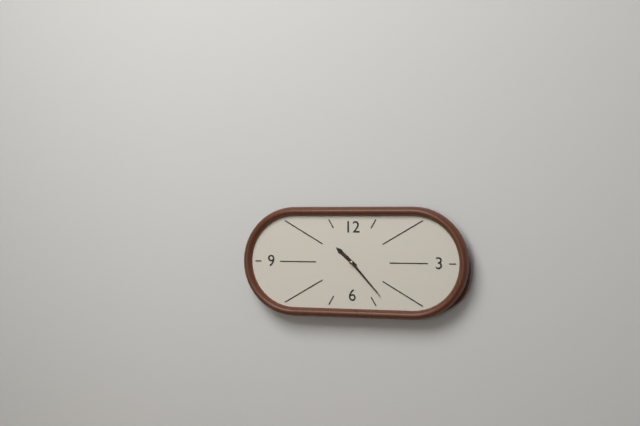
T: 10 h 23 min 23 s
